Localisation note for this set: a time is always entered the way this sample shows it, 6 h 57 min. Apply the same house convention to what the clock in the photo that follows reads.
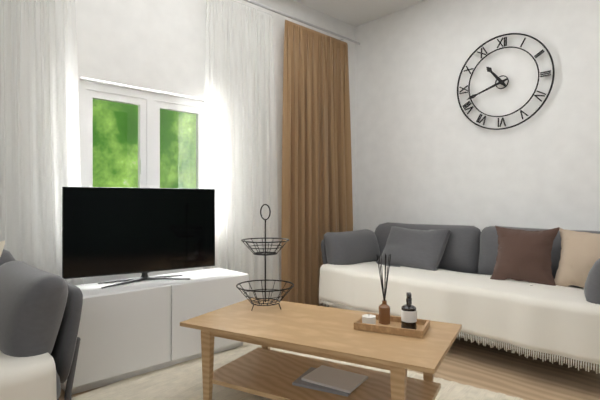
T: 10 h 42 min
